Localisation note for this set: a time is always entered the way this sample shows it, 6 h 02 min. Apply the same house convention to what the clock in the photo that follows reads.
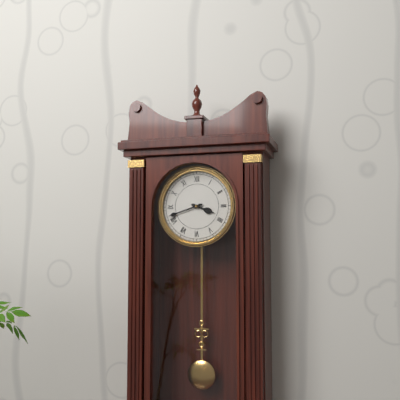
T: 3 h 42 min
